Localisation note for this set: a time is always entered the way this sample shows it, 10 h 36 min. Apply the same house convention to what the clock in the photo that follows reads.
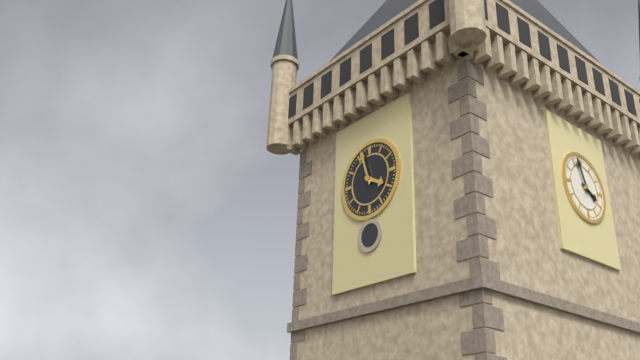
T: 3 h 57 min
